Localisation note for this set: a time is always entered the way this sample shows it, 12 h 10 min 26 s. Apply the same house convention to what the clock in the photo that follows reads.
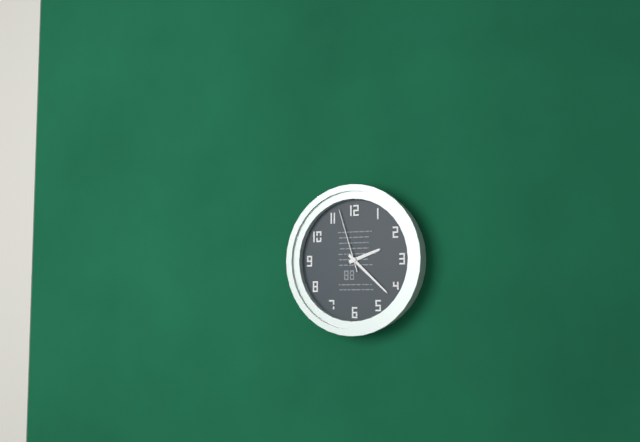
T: 2 h 22 min 57 s
